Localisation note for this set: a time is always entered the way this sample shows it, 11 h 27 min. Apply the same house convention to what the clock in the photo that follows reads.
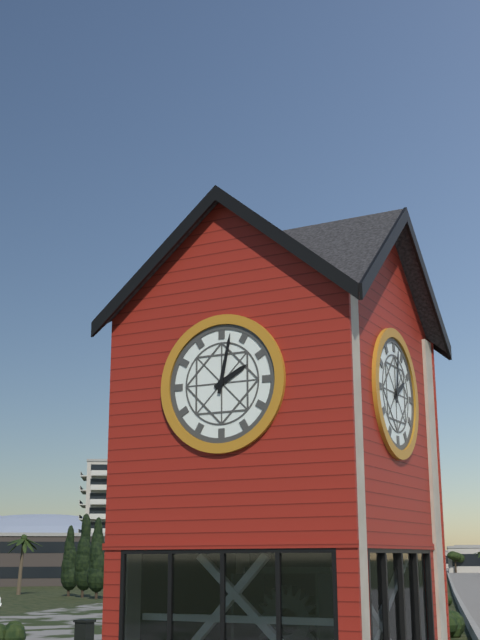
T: 2 h 02 min
